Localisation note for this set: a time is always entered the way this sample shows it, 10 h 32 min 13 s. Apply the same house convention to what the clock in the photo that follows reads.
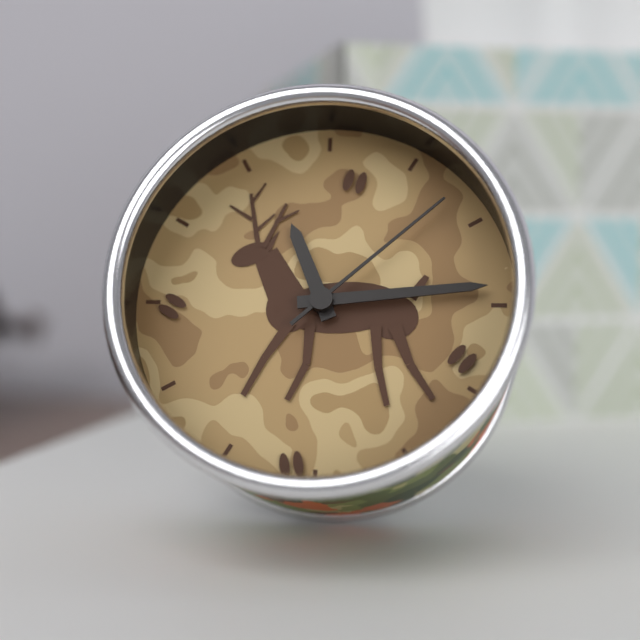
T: 11 h 14 min 08 s
